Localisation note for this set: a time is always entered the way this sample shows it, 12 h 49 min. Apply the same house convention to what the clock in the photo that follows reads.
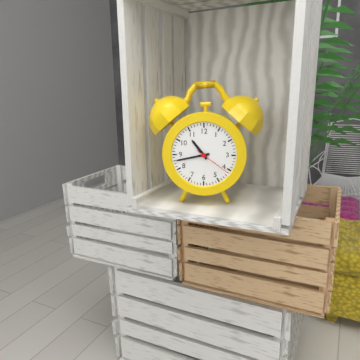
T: 10 h 43 min
